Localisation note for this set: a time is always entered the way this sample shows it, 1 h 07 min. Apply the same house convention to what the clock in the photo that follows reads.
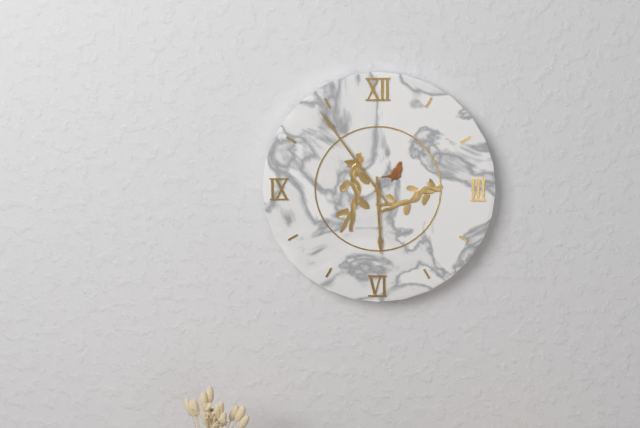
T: 5 h 54 min
